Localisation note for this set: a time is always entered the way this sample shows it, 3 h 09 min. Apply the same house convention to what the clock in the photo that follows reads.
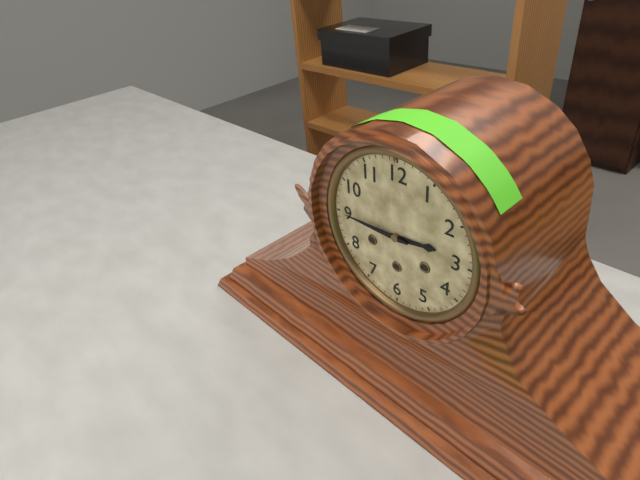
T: 2 h 45 min
